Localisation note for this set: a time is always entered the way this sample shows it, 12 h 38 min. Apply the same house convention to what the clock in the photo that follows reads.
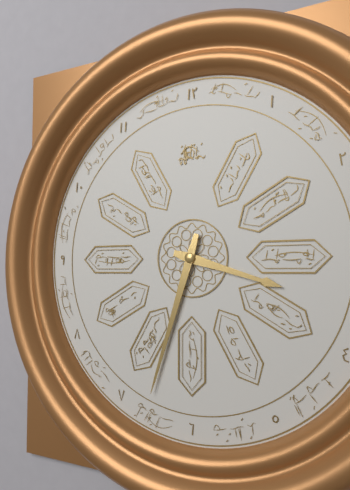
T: 3 h 33 min
